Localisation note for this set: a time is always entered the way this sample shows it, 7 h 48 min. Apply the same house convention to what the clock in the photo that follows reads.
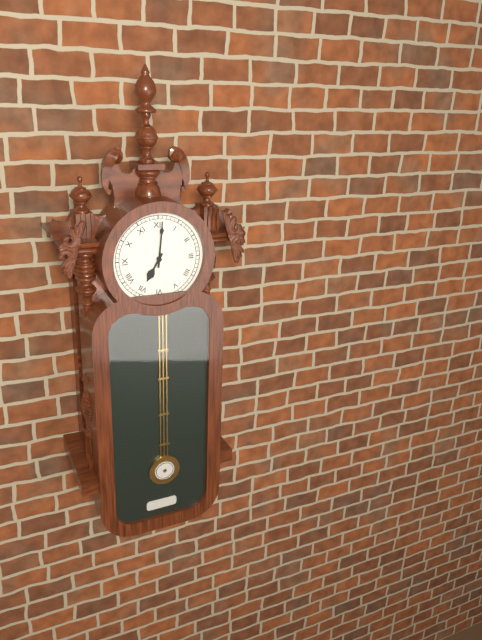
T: 7 h 01 min
